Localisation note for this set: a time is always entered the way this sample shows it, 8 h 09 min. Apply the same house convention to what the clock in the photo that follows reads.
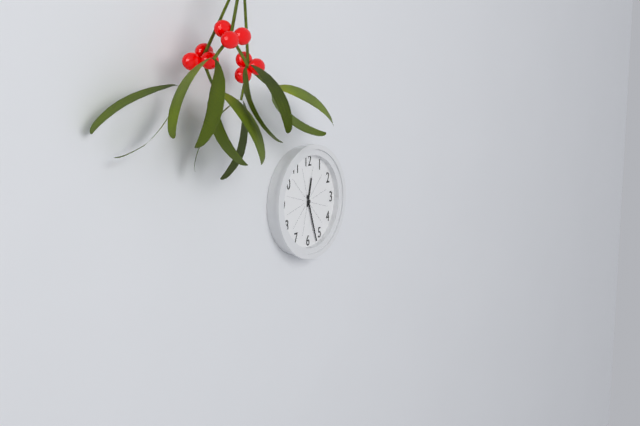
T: 12 h 27 min
